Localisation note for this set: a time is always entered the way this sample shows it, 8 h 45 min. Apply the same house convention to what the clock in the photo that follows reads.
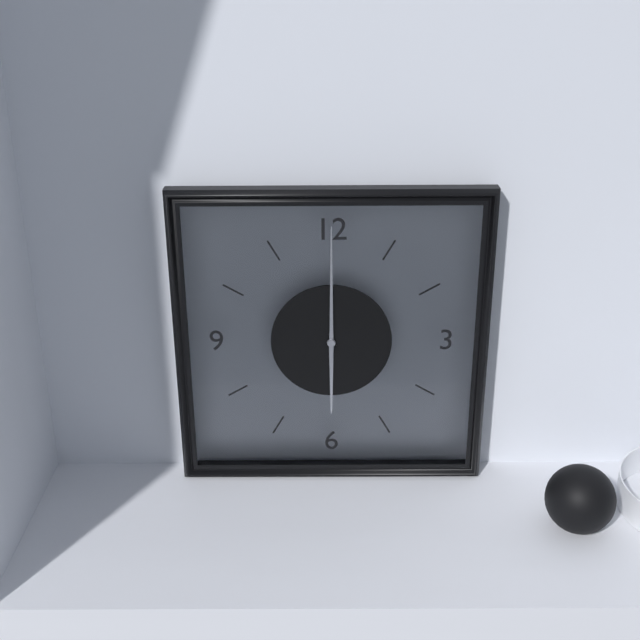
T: 6 h 00 min
